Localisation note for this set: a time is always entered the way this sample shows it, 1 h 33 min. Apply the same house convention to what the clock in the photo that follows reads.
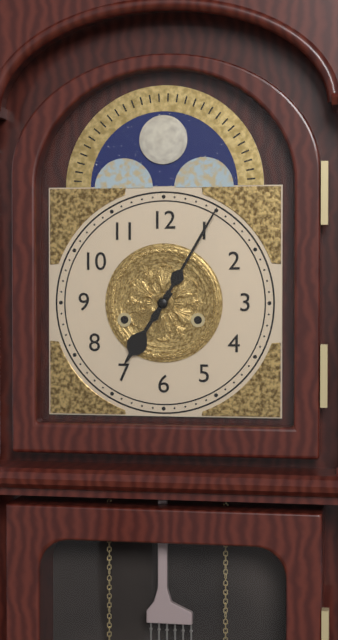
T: 7 h 05 min
